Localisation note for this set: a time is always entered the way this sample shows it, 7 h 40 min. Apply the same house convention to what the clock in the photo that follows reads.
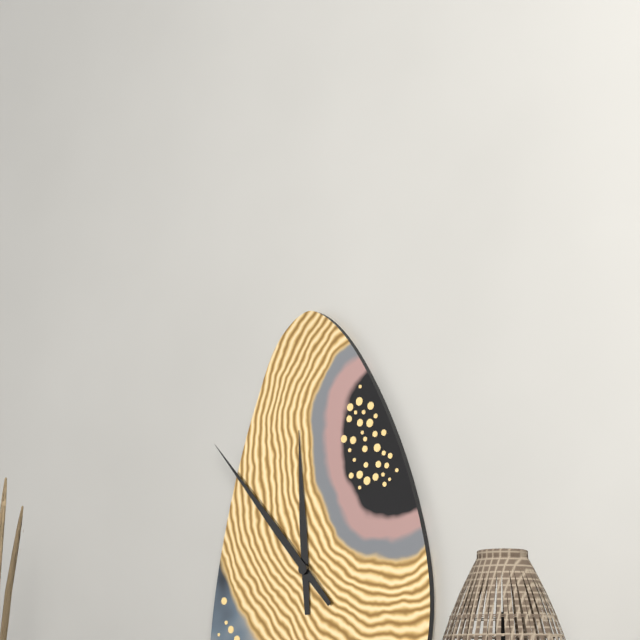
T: 11 h 53 min
